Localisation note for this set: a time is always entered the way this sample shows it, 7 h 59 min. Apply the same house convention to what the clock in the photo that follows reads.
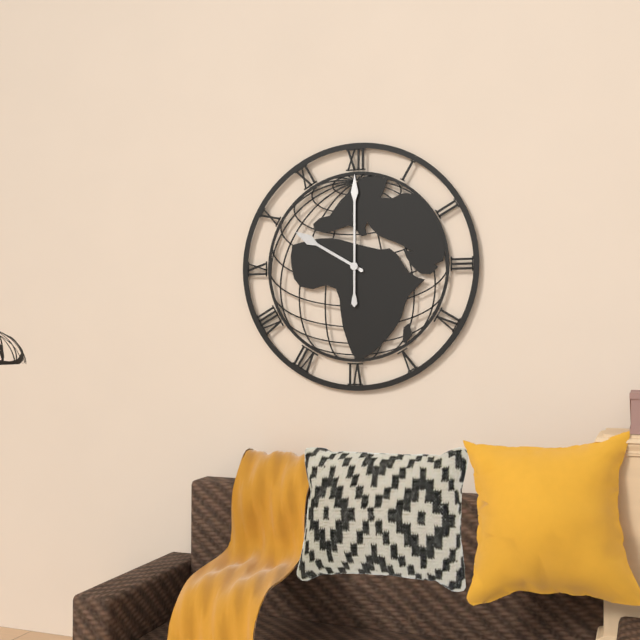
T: 10 h 00 min
